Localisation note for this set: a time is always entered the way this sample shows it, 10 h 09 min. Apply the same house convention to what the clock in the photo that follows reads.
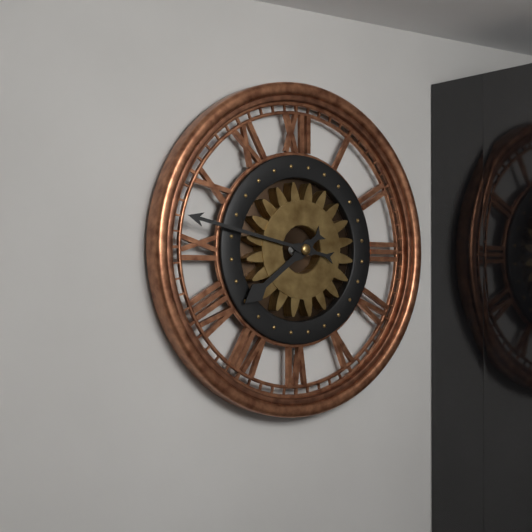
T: 7 h 47 min
